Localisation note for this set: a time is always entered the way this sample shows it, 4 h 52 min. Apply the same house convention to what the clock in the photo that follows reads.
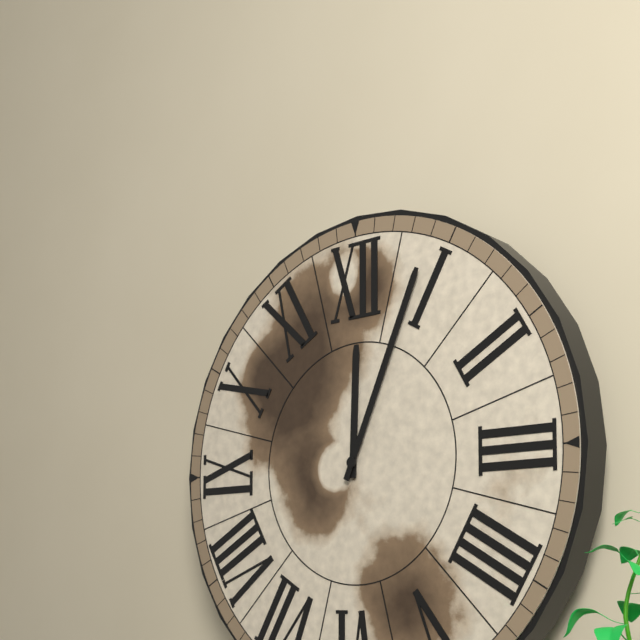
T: 12 h 04 min
